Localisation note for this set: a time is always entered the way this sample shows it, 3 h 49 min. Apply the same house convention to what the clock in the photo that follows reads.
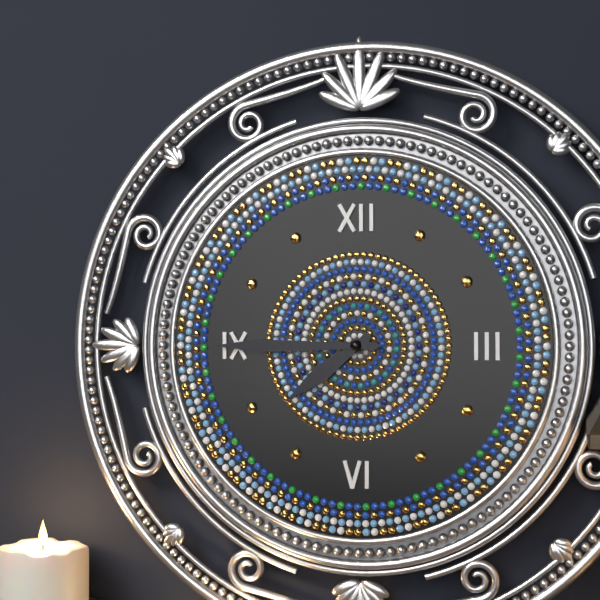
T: 7 h 45 min
